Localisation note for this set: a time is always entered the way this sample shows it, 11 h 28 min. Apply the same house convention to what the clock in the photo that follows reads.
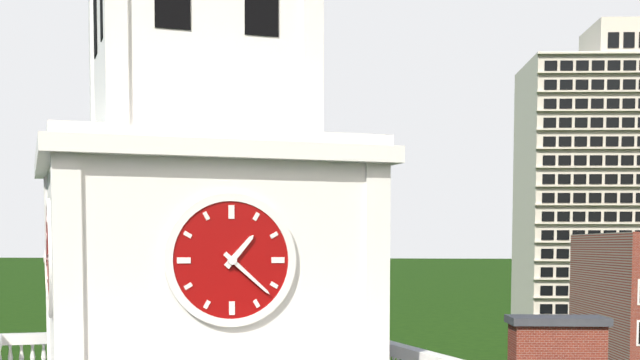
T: 1 h 22 min
